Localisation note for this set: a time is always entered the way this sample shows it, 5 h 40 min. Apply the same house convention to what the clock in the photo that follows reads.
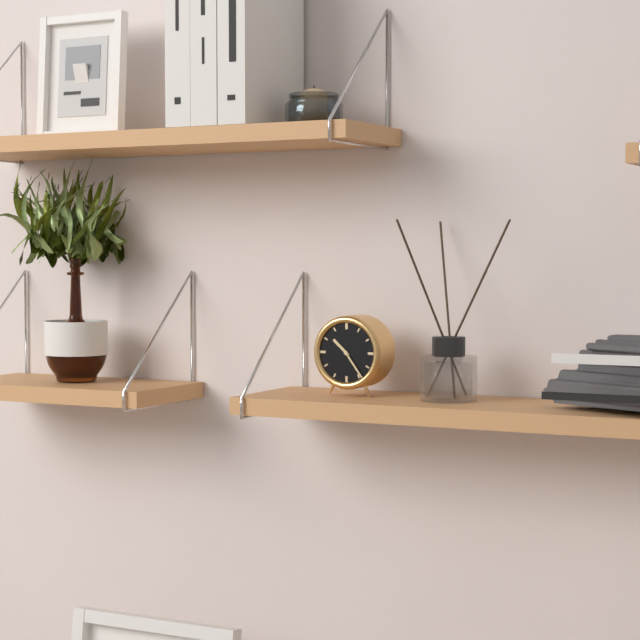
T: 10 h 24 min
